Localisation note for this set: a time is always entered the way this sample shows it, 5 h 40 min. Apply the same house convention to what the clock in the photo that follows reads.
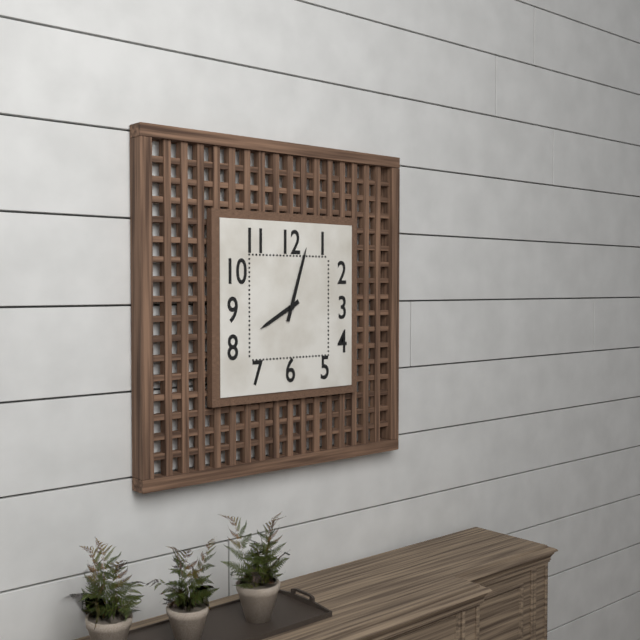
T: 8 h 03 min
